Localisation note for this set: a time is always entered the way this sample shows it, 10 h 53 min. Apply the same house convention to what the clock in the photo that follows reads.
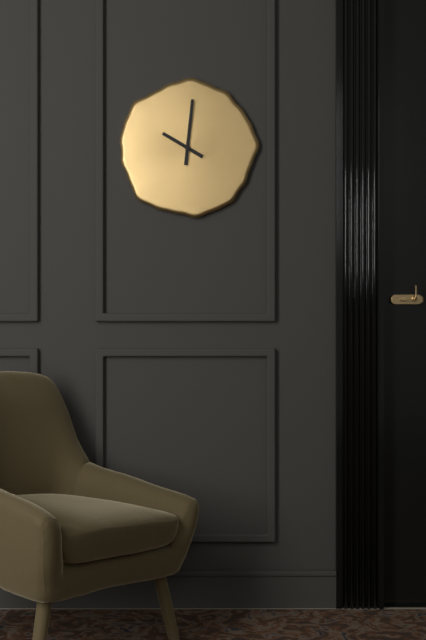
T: 10 h 01 min
